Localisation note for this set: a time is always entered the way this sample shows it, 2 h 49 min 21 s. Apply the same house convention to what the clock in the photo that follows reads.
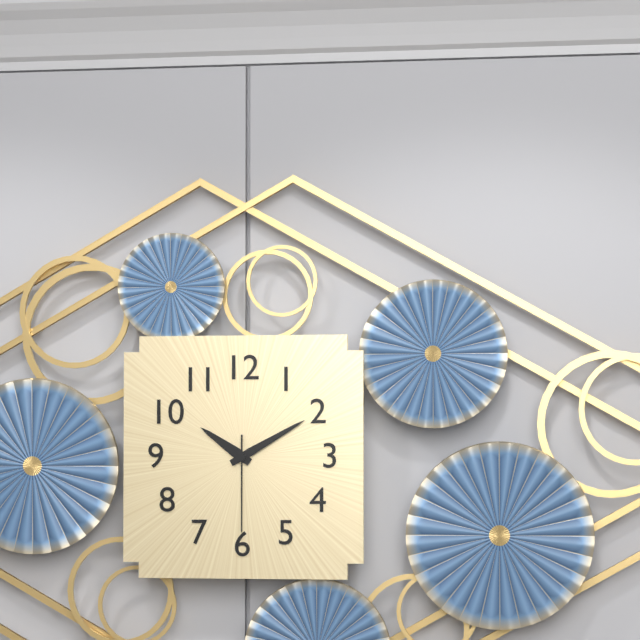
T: 10 h 10 min 30 s
